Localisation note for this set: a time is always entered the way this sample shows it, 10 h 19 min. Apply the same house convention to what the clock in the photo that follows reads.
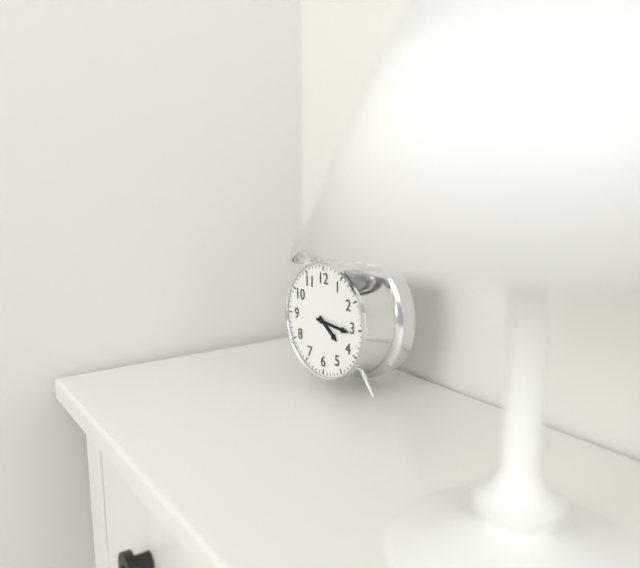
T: 4 h 16 min
